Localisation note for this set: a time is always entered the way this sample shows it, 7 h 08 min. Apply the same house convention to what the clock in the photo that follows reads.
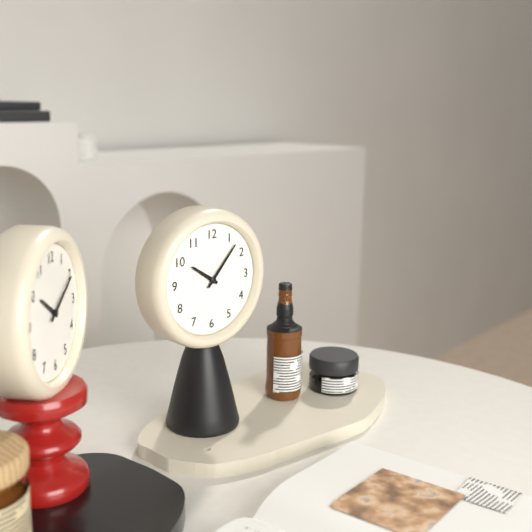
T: 10 h 07 min
